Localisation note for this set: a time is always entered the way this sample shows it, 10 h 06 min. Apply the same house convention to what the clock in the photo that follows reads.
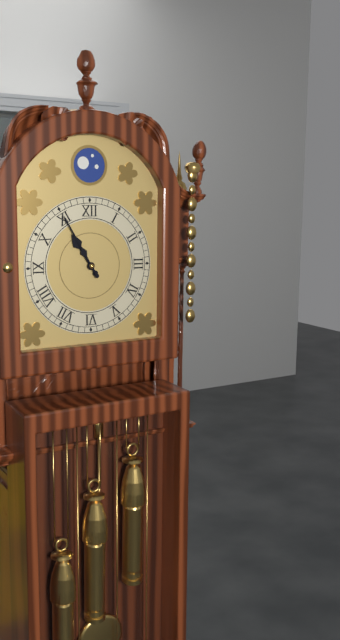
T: 10 h 55 min
